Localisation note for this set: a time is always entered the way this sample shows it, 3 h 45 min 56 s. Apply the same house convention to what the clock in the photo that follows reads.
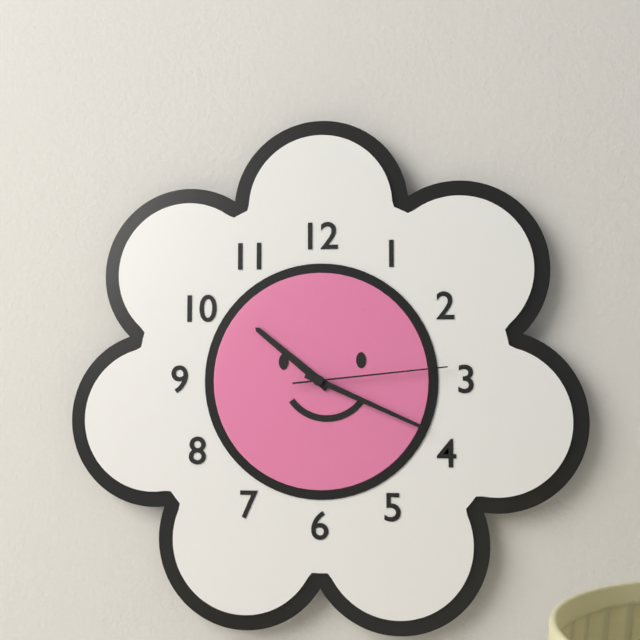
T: 10 h 19 min 14 s
